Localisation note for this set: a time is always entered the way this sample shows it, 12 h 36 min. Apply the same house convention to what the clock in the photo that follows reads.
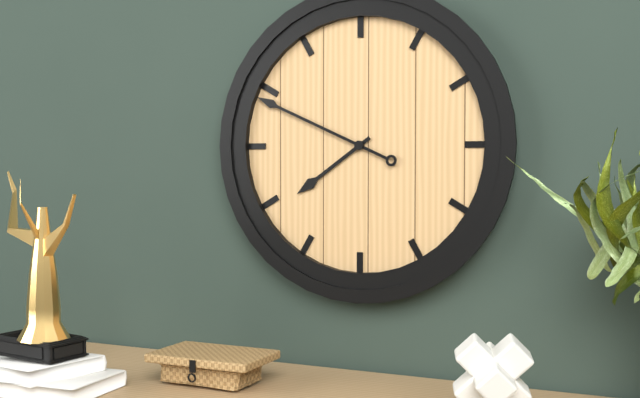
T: 7 h 49 min
